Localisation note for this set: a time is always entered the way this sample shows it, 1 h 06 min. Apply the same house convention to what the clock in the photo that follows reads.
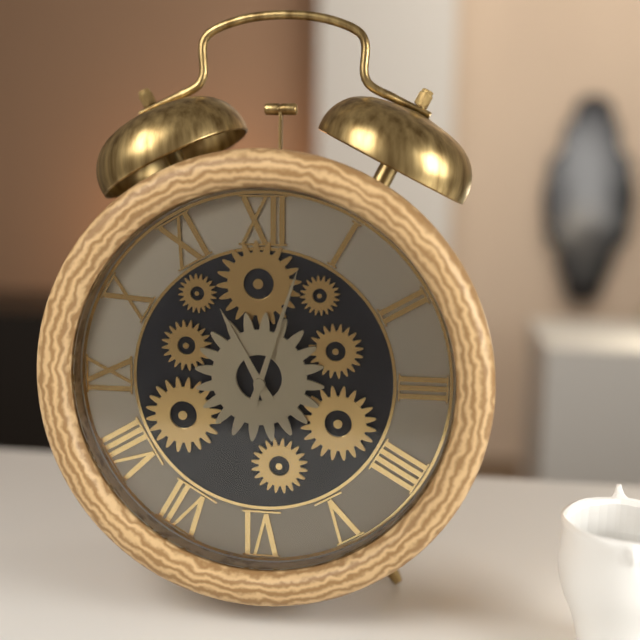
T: 11 h 03 min
